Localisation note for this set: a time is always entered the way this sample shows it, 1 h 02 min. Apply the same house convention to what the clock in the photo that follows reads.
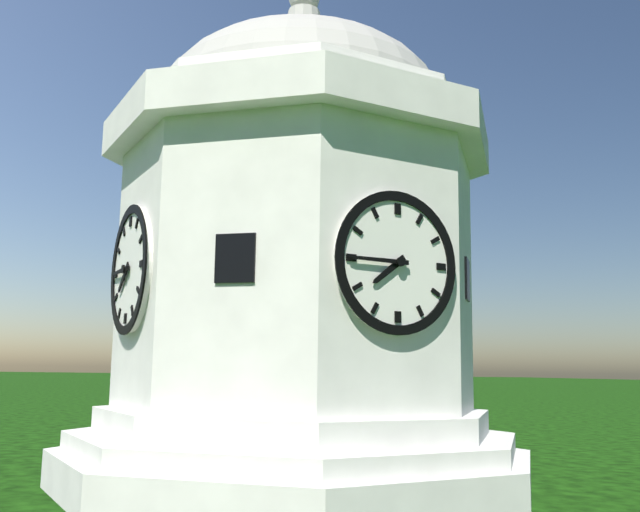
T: 7 h 45 min
